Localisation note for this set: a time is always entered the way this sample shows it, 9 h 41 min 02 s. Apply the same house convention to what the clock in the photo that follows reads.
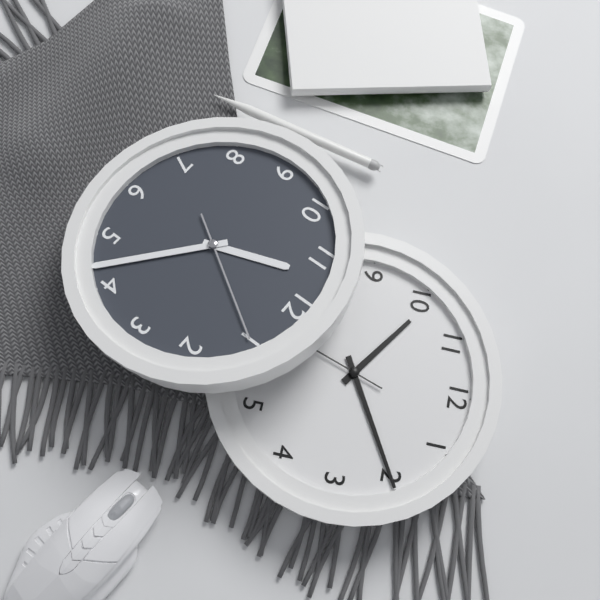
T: 11 h 22 min 05 s
